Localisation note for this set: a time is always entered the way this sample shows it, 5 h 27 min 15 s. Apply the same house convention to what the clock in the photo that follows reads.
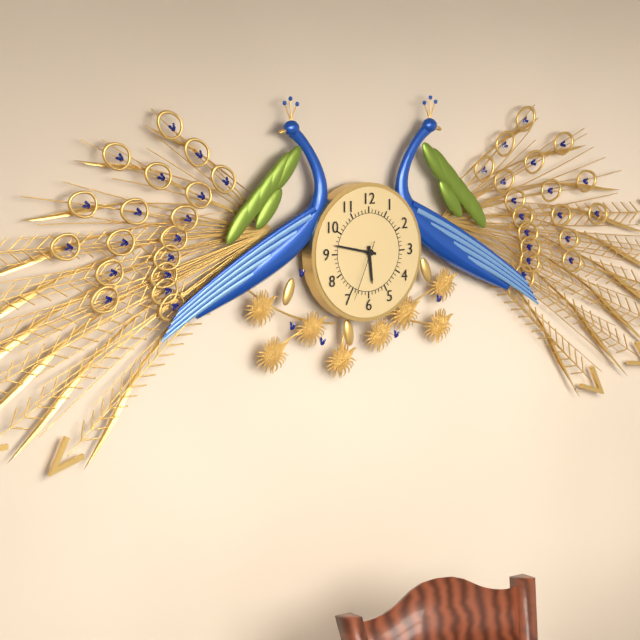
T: 5 h 47 min 34 s
